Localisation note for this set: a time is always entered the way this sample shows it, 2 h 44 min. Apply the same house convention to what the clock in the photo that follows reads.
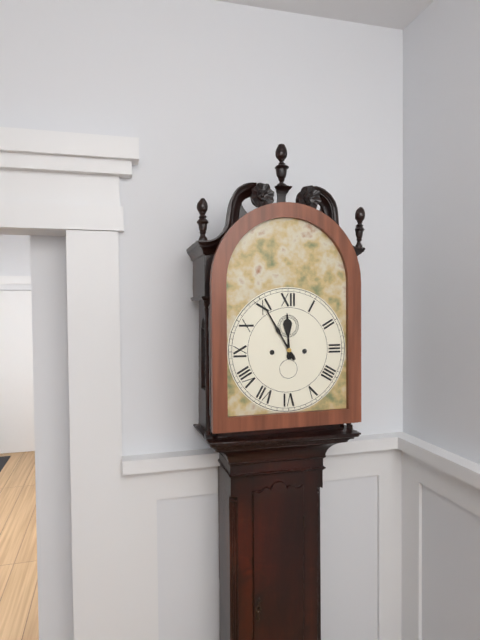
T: 11 h 55 min
